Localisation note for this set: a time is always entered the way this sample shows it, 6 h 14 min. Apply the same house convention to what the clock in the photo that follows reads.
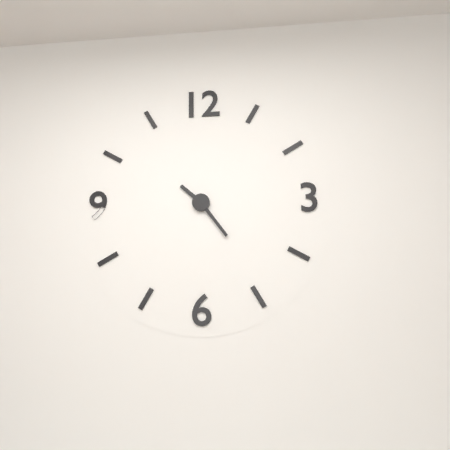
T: 10 h 24 min
